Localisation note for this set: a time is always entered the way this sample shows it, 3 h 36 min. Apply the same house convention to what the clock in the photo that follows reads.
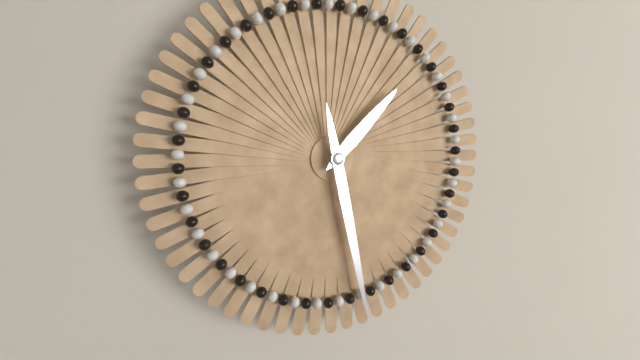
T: 1 h 28 min
